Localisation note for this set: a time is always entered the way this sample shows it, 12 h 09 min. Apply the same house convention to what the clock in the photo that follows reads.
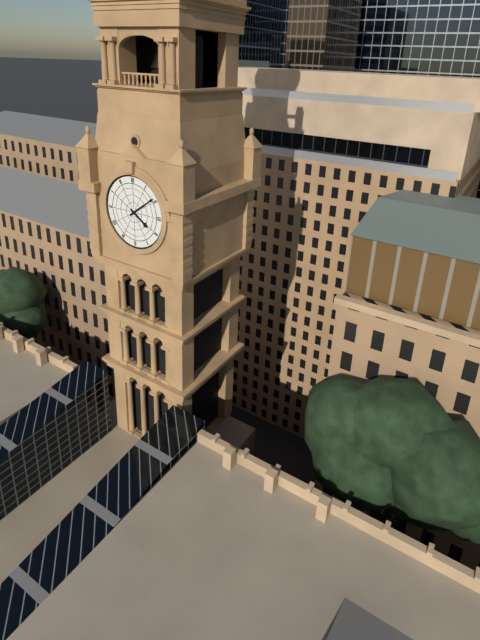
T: 4 h 09 min
